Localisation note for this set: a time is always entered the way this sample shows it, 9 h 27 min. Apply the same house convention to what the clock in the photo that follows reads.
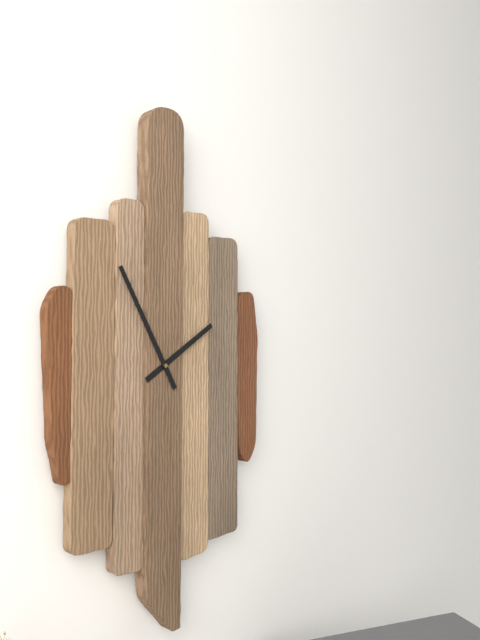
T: 1 h 55 min
